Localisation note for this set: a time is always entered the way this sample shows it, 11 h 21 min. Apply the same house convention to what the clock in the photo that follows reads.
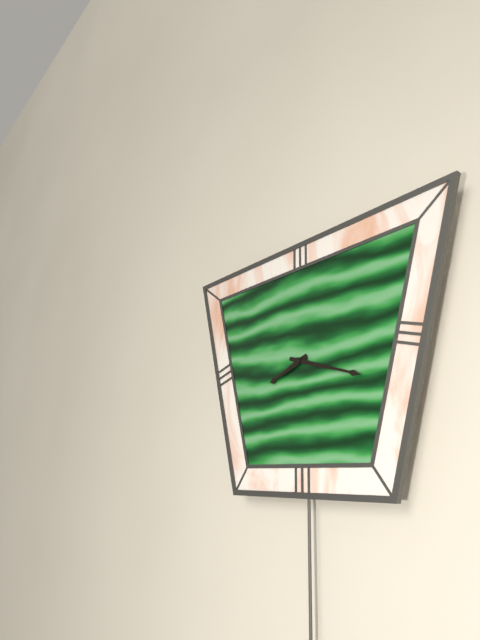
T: 8 h 18 min
